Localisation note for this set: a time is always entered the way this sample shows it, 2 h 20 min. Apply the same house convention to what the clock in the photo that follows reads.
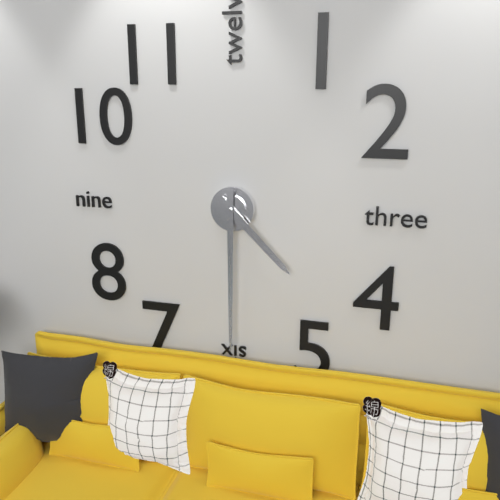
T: 4 h 30 min
